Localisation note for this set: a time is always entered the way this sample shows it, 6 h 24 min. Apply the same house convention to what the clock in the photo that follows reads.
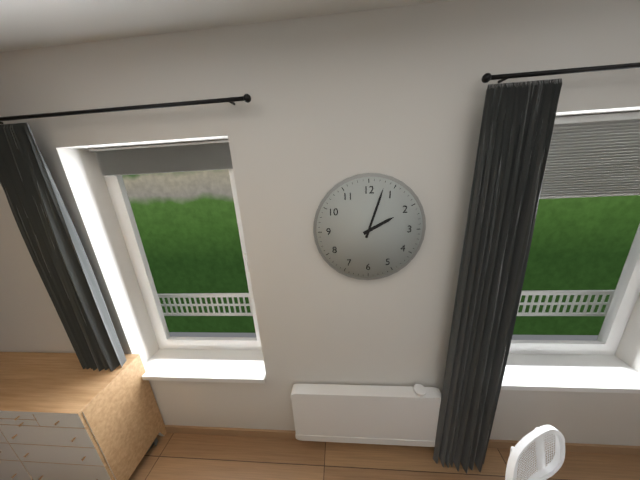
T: 2 h 03 min
